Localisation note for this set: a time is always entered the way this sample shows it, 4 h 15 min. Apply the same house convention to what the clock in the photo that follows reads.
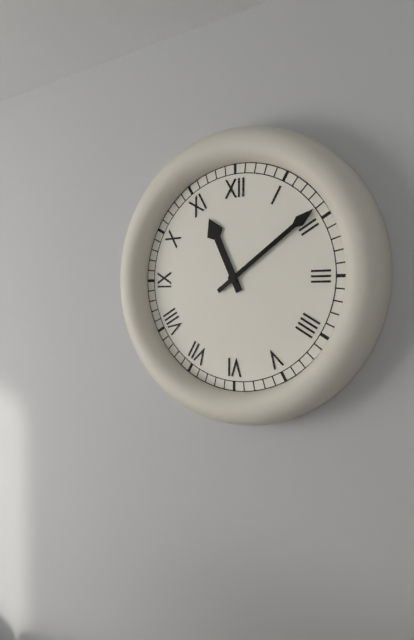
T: 11 h 09 min
